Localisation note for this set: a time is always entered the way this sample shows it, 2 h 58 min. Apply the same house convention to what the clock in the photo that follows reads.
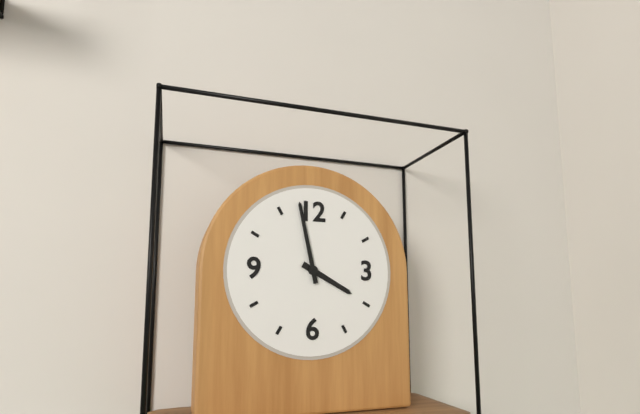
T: 3 h 58 min
